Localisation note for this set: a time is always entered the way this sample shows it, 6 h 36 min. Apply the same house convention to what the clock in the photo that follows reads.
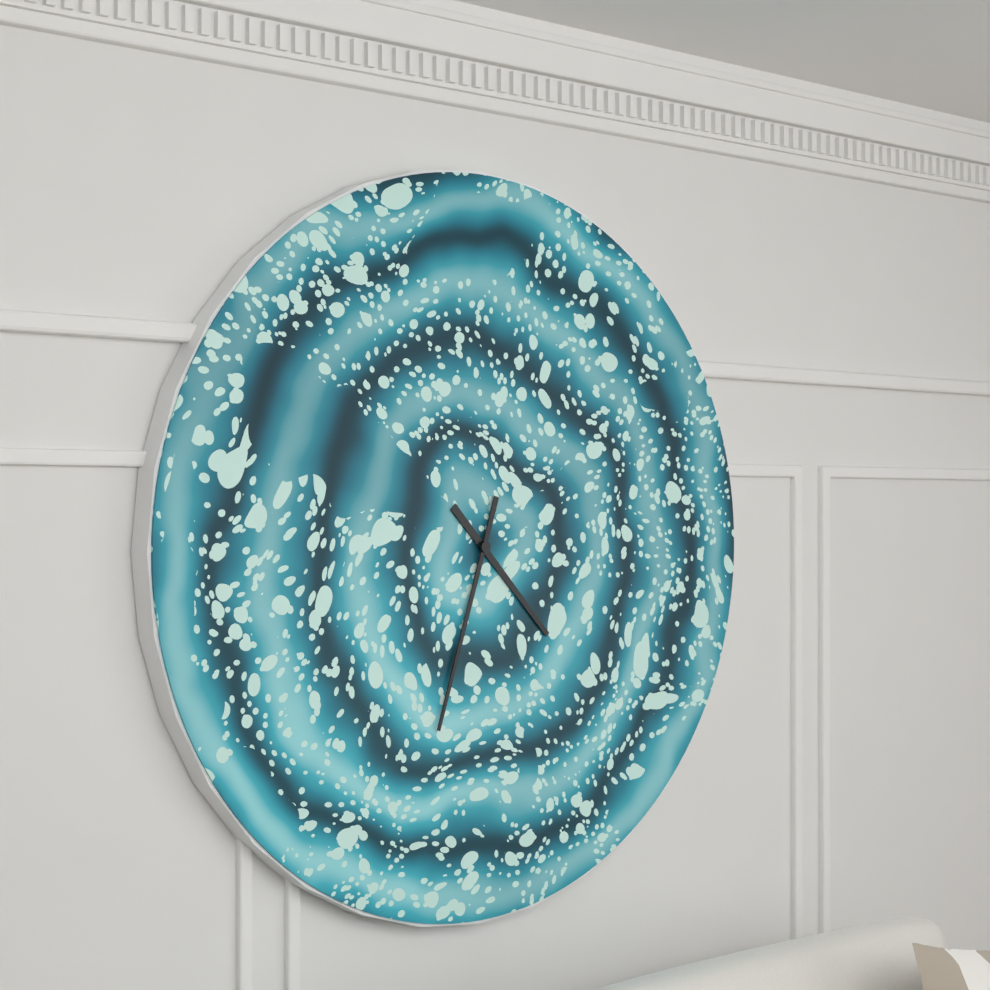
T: 4 h 33 min
